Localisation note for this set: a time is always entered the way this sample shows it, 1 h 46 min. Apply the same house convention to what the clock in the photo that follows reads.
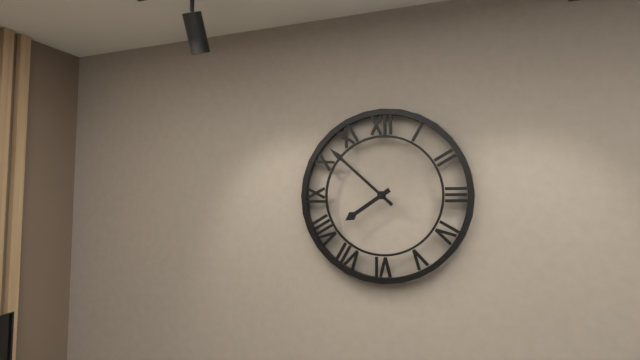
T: 7 h 52 min
